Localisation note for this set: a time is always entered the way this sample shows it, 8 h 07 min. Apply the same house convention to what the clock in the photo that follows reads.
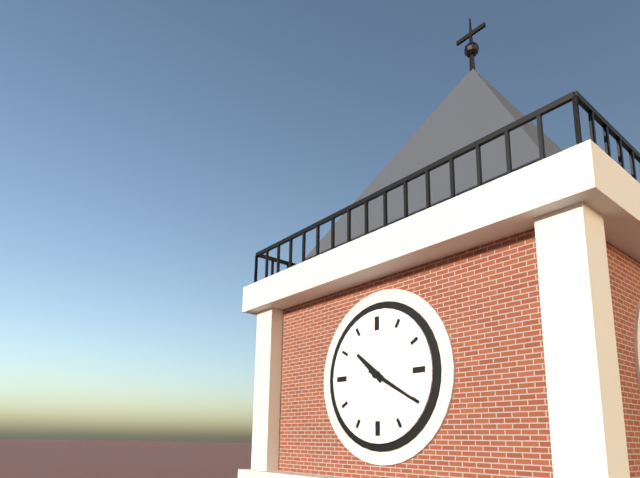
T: 10 h 20 min
